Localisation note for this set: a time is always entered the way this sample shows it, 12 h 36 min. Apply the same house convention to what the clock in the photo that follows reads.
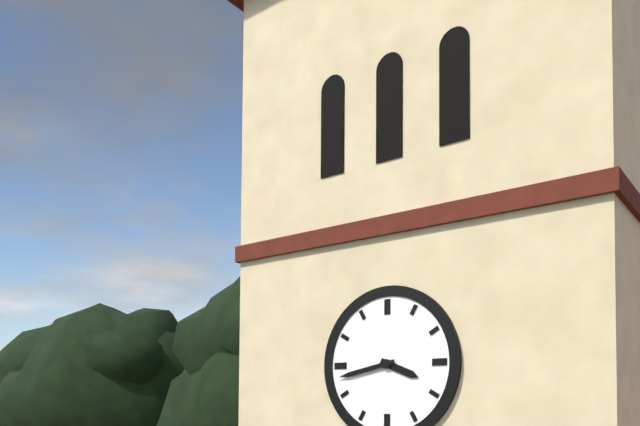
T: 3 h 43 min
